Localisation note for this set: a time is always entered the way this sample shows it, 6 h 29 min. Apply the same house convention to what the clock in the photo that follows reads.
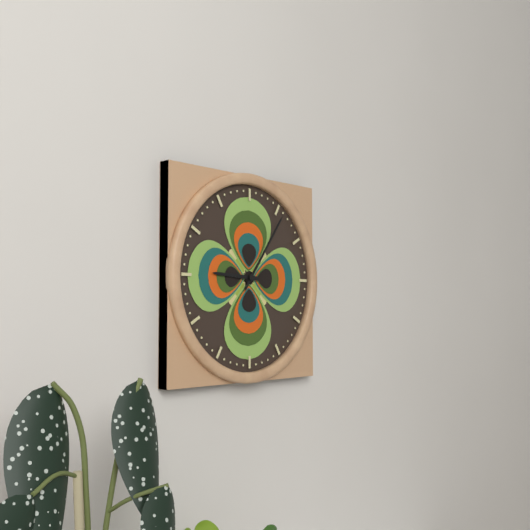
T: 9 h 06 min
